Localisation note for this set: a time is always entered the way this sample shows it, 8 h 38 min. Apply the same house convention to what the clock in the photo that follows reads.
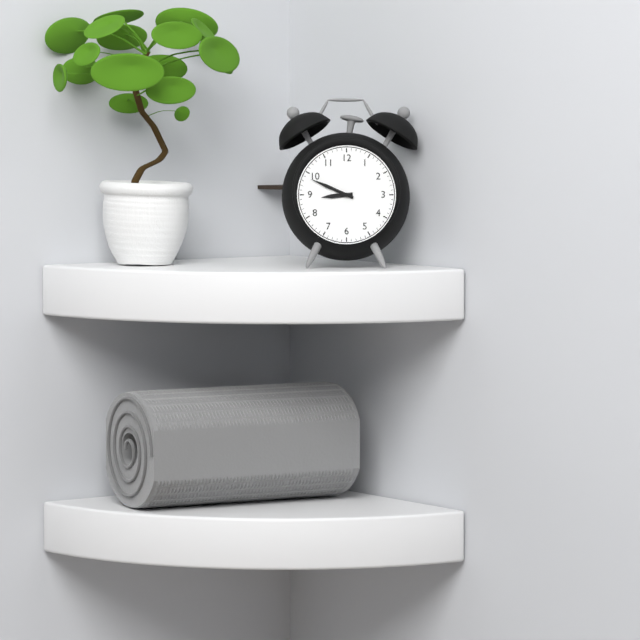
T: 8 h 49 min
